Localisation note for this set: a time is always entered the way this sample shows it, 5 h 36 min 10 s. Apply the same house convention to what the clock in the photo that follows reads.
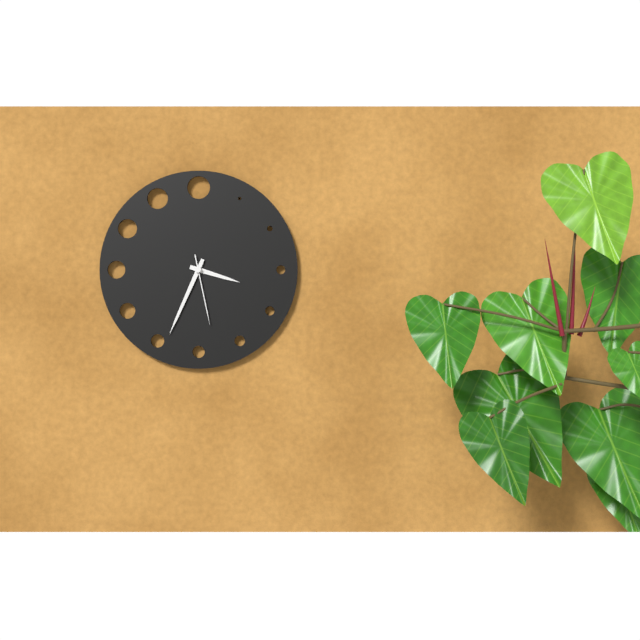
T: 3 h 34 min 28 s
